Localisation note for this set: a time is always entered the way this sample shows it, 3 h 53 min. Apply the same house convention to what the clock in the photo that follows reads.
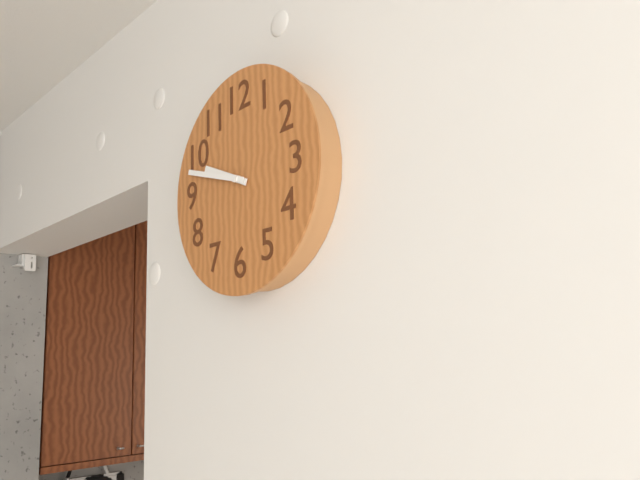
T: 9 h 48 min
